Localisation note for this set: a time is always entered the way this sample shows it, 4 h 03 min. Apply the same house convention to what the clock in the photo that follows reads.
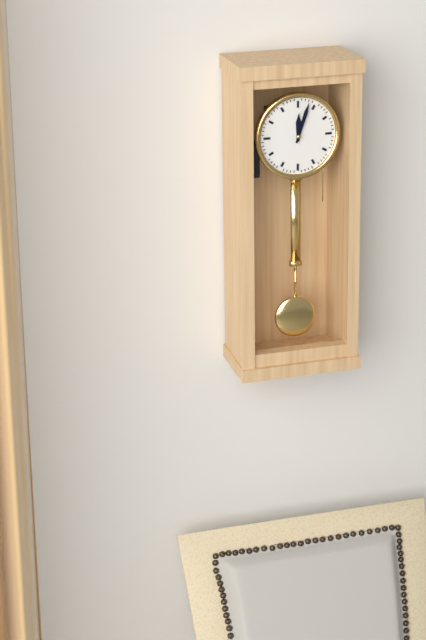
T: 12 h 03 min
